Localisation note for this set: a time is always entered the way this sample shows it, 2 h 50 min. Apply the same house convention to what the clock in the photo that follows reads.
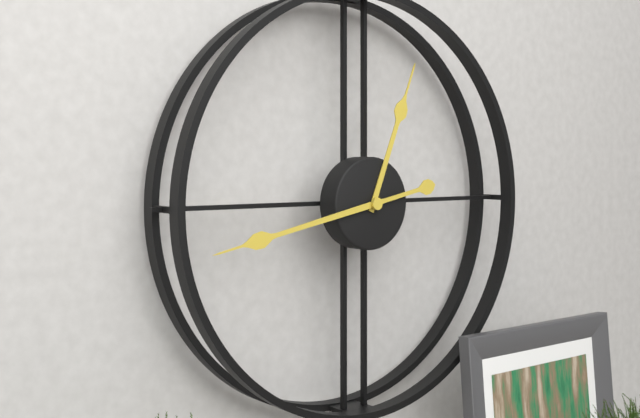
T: 12 h 43 min
